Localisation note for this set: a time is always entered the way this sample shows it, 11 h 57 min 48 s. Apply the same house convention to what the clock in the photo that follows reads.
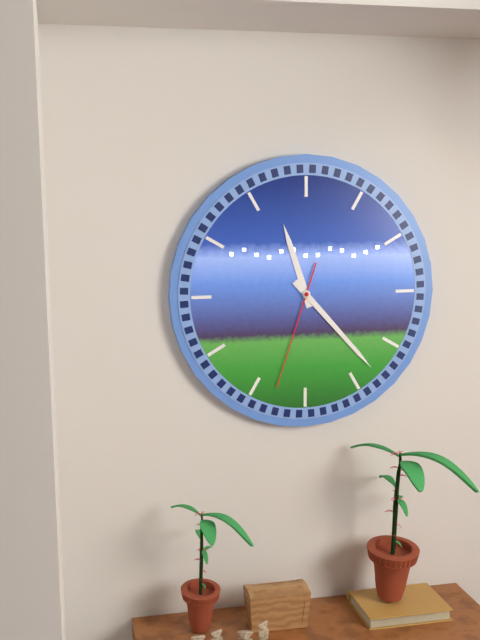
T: 11 h 23 min 33 s
